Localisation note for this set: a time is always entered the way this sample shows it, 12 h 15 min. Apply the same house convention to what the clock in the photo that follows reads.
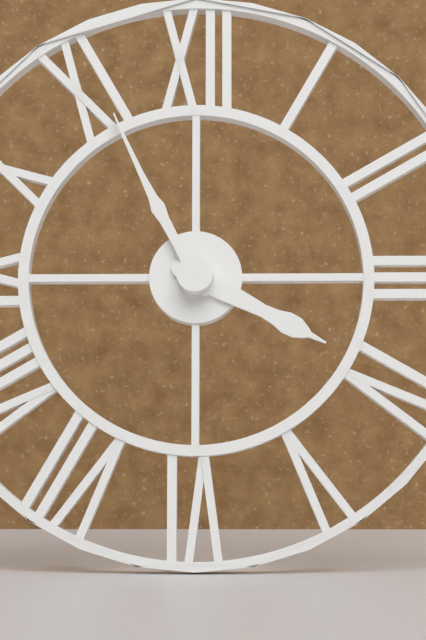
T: 3 h 55 min
